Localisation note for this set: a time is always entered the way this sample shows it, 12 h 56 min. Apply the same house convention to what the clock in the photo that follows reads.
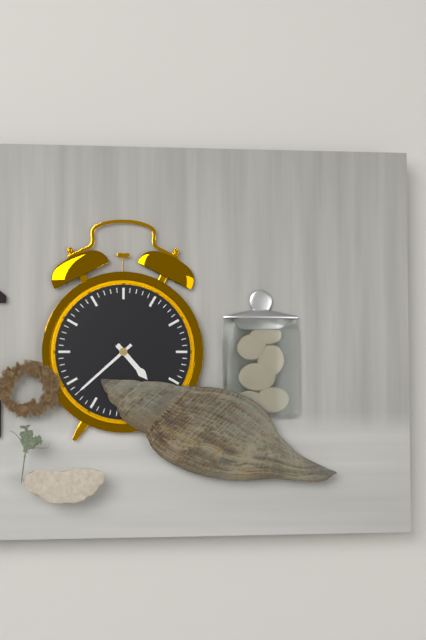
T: 4 h 38 min
